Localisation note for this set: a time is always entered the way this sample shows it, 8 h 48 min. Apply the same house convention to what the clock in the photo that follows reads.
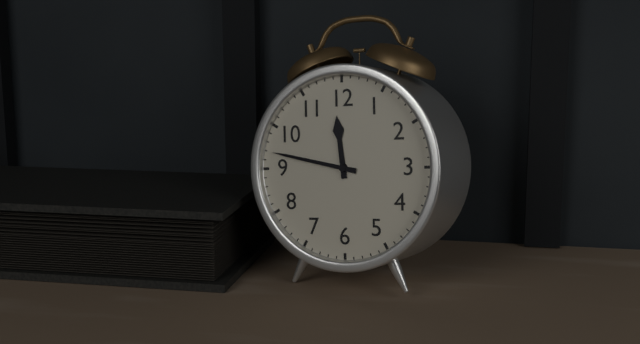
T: 11 h 47 min
